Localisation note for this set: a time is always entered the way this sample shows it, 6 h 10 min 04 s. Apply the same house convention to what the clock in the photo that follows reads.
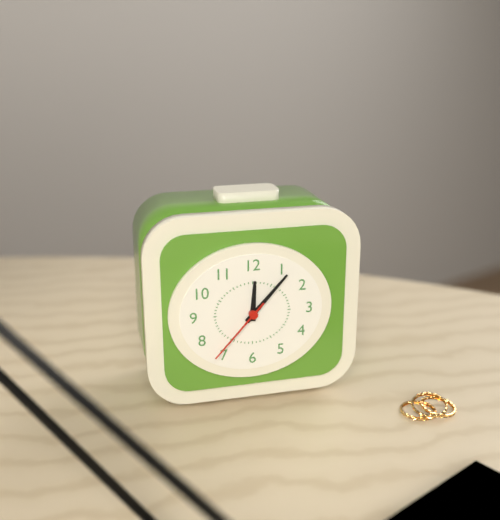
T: 12 h 07 min 37 s
